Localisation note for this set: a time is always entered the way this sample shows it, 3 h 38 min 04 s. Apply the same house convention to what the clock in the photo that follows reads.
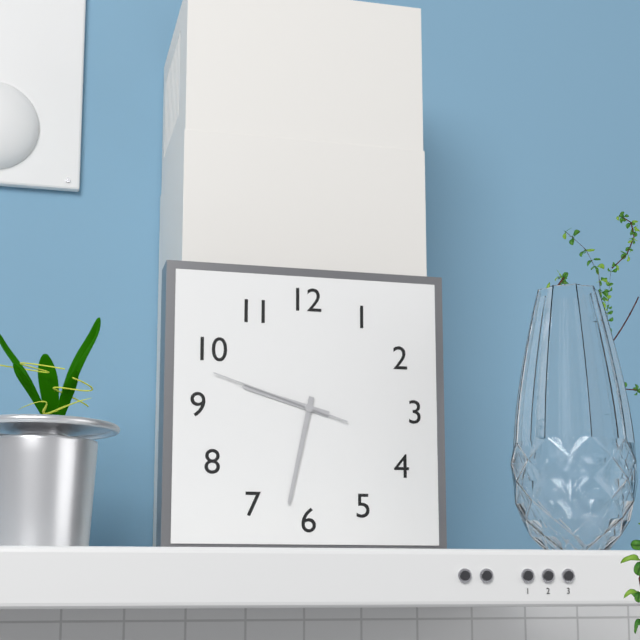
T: 9 h 32 min 48 s
